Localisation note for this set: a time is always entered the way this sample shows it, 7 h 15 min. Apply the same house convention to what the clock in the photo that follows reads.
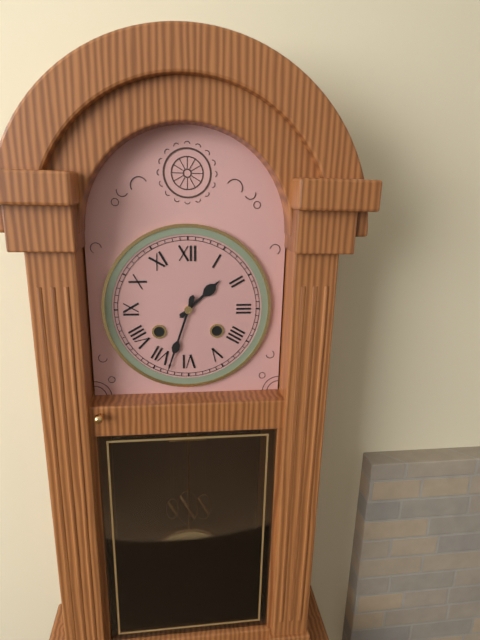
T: 1 h 33 min
